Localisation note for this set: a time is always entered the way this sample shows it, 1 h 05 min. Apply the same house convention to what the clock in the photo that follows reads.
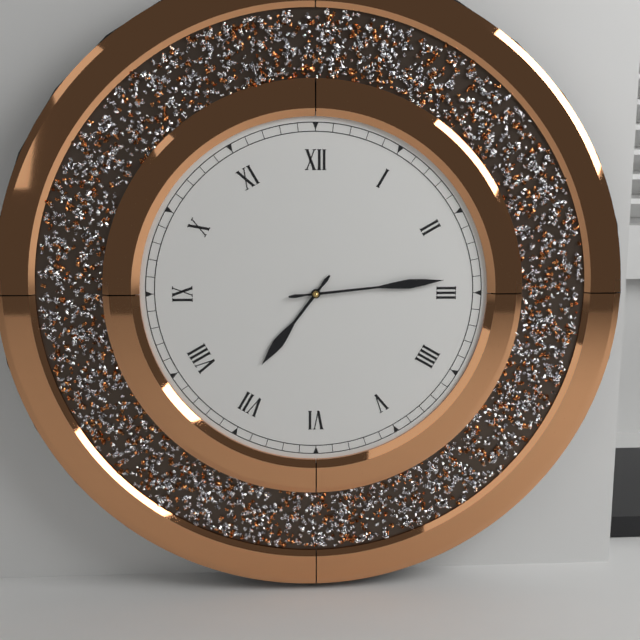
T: 7 h 14 min
